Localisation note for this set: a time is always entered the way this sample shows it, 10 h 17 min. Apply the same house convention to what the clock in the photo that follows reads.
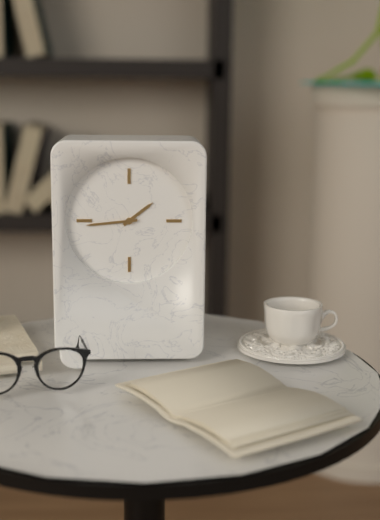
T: 1 h 44 min
